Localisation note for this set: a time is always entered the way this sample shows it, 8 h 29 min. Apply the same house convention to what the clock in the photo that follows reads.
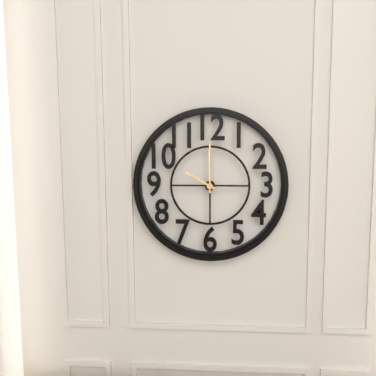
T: 10 h 00 min
